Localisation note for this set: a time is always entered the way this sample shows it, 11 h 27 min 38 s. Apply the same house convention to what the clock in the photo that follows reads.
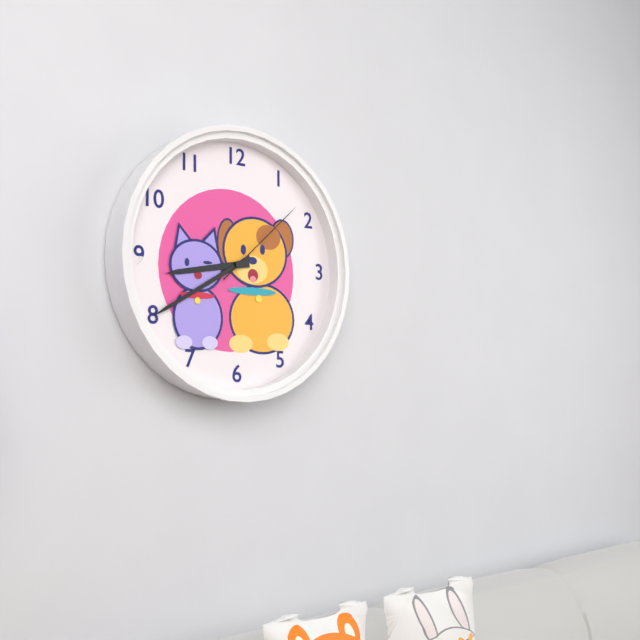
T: 8 h 40 min 08 s
